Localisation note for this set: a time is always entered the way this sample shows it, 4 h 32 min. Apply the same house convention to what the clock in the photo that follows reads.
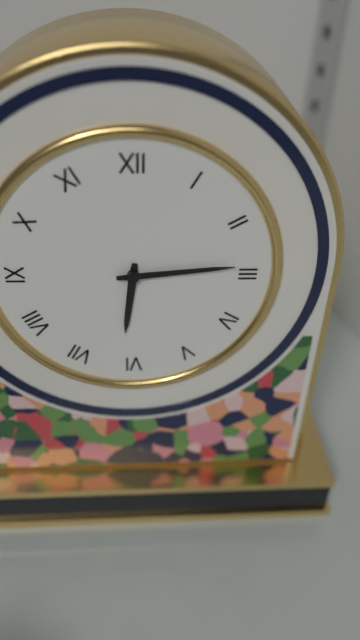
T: 6 h 14 min
